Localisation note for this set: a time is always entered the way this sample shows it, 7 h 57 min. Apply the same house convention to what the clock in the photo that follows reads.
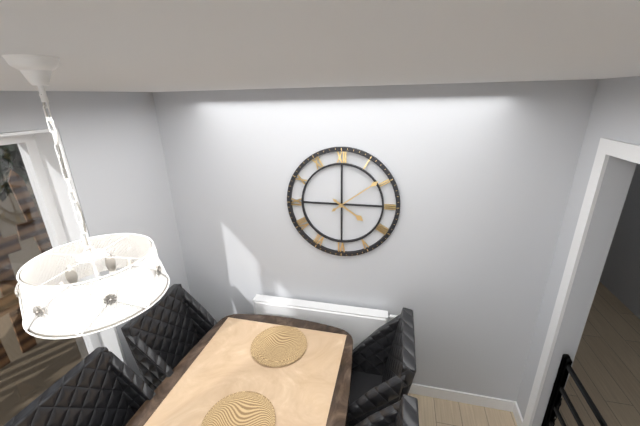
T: 4 h 09 min
